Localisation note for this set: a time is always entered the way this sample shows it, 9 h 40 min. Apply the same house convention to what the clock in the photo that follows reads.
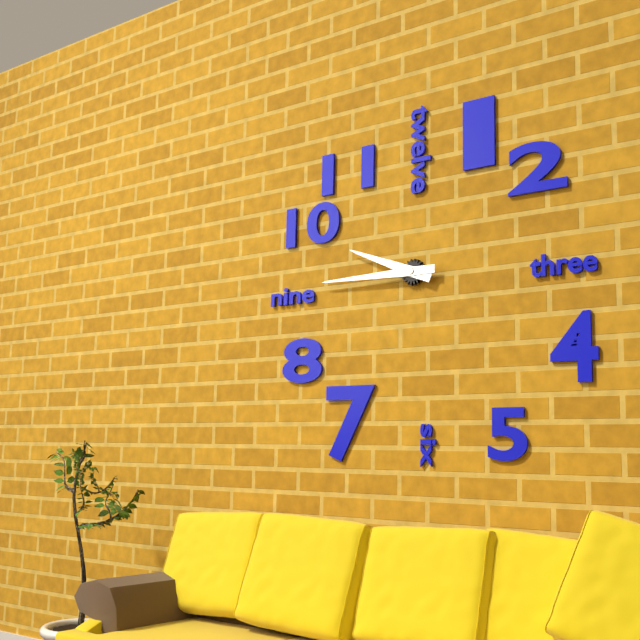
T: 9 h 45 min
